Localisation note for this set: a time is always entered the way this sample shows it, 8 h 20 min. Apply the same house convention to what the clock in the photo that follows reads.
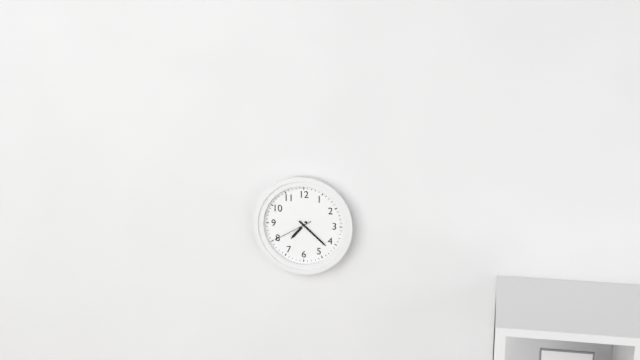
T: 7 h 22 min
